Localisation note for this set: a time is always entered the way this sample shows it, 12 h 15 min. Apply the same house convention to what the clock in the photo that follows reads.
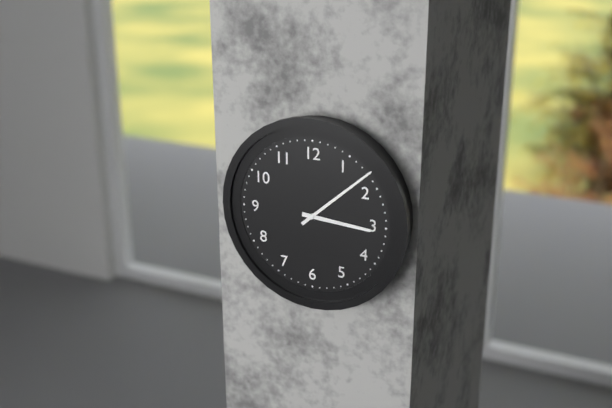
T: 3 h 08 min
